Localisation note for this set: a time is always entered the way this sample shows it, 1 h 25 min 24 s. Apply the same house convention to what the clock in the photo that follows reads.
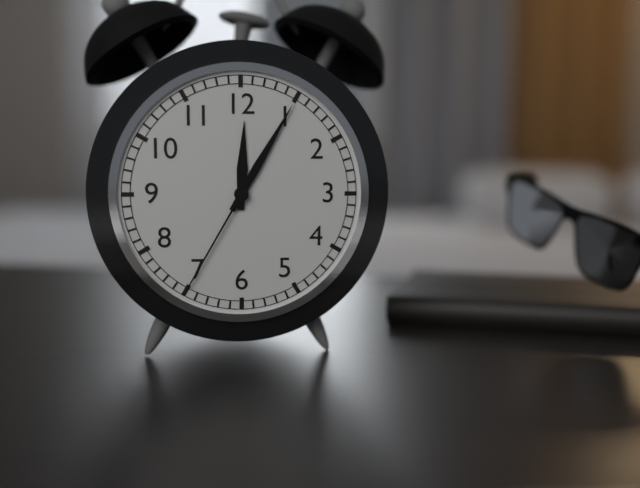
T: 12 h 05 min 35 s
